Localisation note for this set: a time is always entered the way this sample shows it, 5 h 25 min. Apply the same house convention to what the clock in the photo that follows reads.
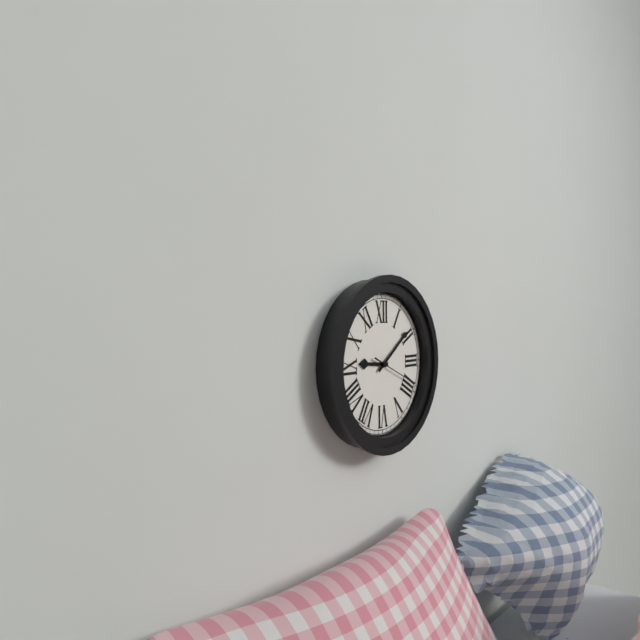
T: 9 h 09 min
